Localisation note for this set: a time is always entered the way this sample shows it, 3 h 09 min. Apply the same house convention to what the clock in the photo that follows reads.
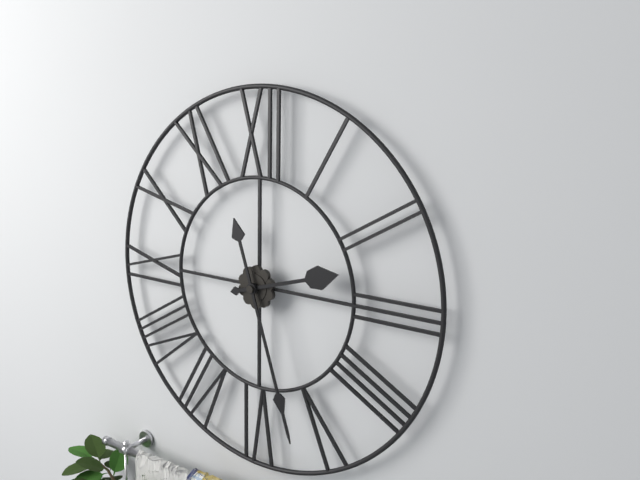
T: 2 h 27 min
